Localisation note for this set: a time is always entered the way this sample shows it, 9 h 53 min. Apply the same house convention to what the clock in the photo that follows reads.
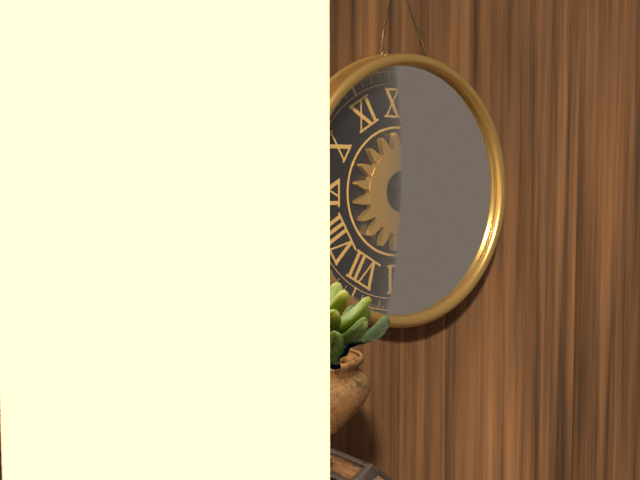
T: 12 h 20 min
